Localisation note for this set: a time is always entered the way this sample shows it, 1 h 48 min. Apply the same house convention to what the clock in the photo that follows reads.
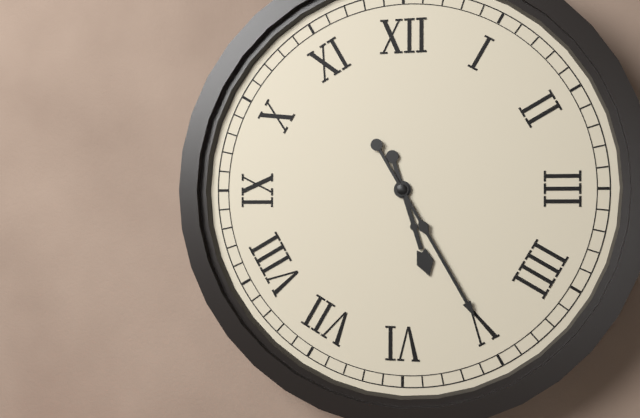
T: 5 h 25 min
